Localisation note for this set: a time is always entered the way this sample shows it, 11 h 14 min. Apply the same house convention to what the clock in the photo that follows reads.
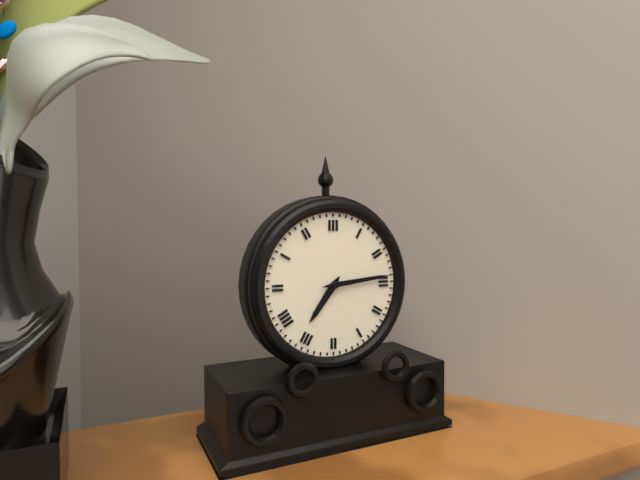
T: 7 h 14 min
